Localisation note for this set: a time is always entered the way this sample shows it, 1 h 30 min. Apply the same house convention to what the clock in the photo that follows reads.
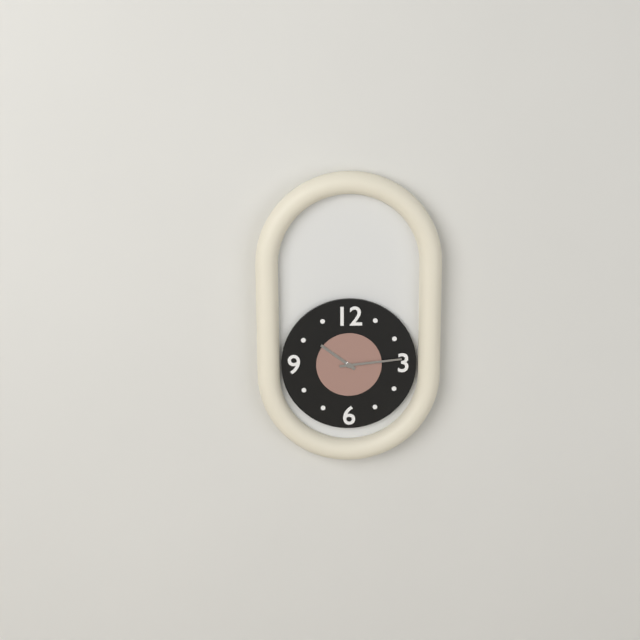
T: 10 h 14 min
